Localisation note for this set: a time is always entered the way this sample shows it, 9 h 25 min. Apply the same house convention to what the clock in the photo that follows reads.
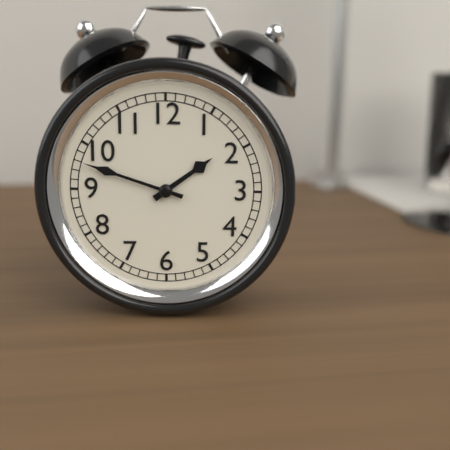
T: 1 h 48 min
